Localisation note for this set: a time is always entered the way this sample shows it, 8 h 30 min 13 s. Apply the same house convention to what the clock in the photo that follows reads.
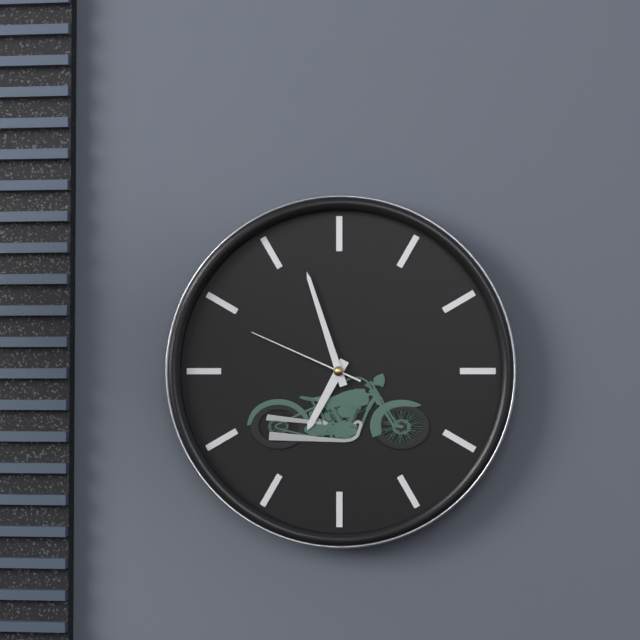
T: 6 h 57 min 49 s
